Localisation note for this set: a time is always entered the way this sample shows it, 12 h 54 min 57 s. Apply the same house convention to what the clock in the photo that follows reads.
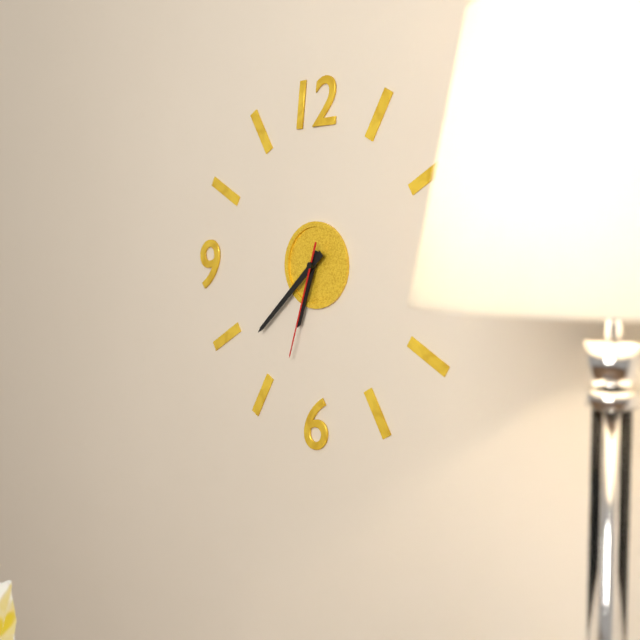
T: 6 h 38 min 33 s
